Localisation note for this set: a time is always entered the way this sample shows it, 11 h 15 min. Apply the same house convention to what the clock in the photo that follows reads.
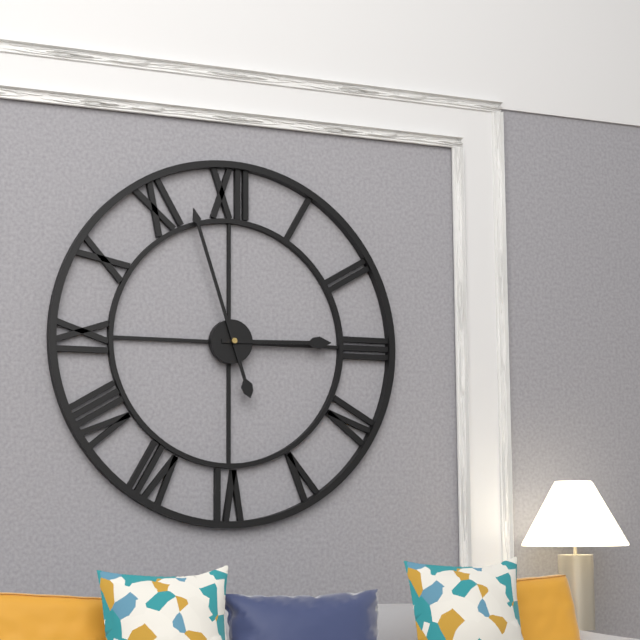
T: 2 h 57 min
